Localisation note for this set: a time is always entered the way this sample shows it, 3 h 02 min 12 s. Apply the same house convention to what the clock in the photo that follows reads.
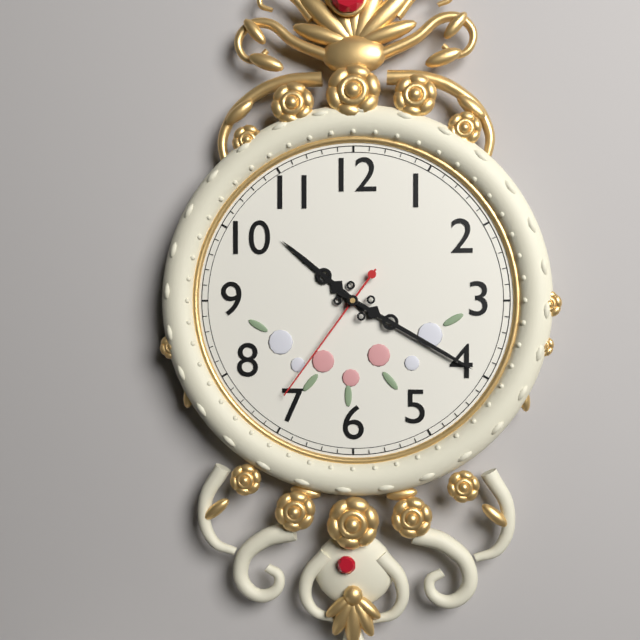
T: 10 h 20 min 36 s
